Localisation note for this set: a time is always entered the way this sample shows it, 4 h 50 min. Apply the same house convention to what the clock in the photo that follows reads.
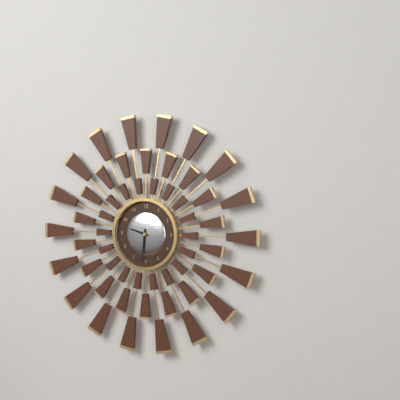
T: 9 h 31 min
